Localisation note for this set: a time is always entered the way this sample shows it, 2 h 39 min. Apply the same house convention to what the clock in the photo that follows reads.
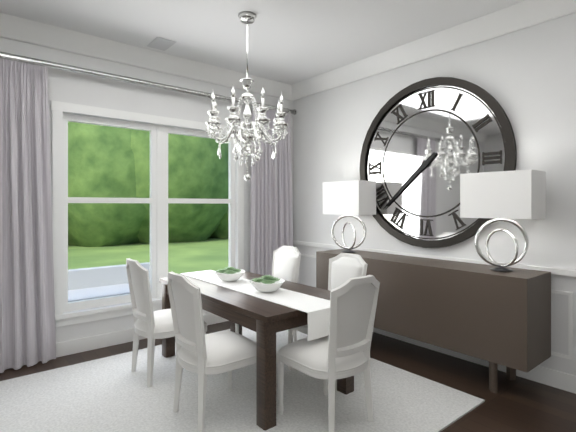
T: 7 h 38 min
